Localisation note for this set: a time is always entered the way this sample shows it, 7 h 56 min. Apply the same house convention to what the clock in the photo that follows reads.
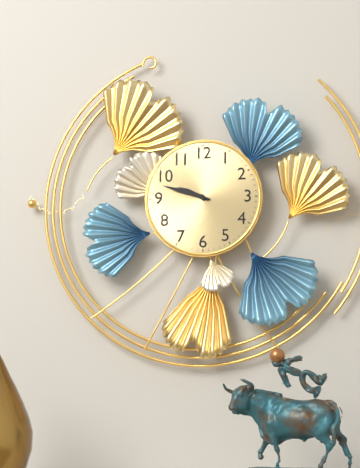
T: 9 h 48 min
